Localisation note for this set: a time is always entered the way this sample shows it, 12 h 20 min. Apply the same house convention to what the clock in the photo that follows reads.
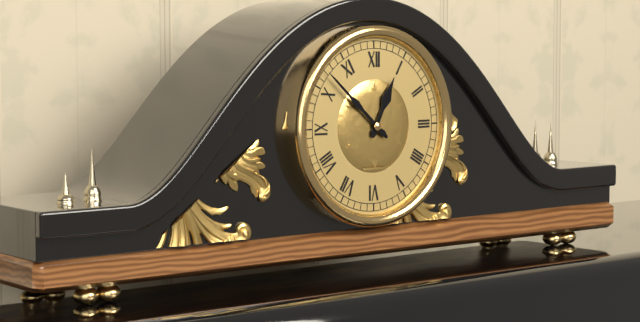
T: 12 h 52 min
